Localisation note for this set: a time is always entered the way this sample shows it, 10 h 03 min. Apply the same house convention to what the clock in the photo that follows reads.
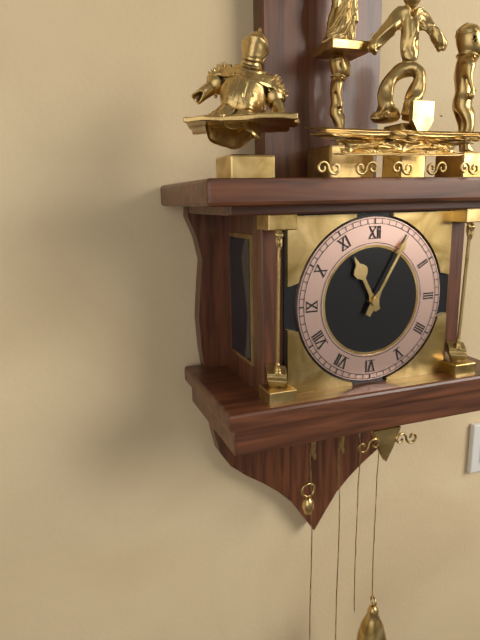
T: 11 h 05 min
